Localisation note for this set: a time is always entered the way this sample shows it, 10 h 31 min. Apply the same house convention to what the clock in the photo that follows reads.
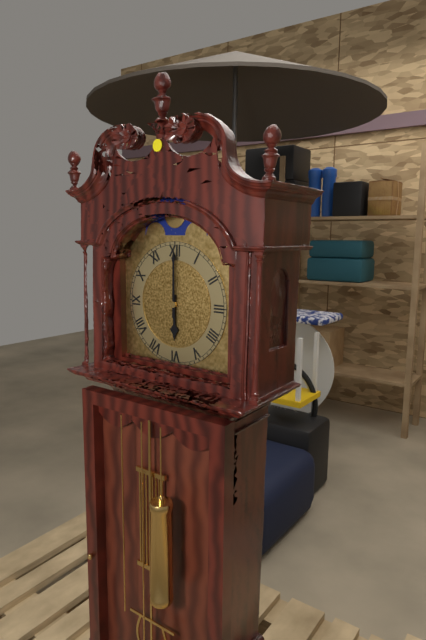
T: 6 h 00 min
